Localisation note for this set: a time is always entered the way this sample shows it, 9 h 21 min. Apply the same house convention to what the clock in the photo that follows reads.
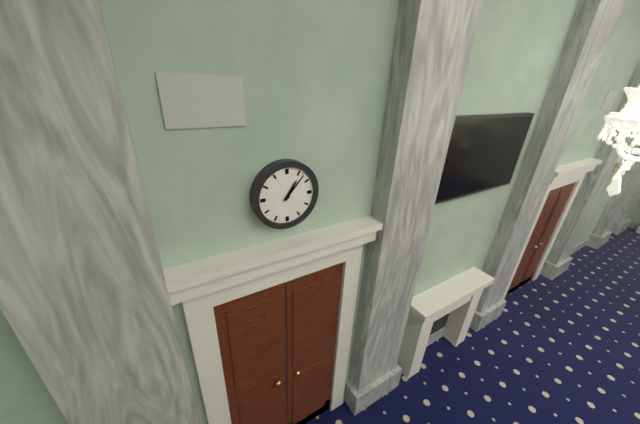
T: 1 h 07 min
